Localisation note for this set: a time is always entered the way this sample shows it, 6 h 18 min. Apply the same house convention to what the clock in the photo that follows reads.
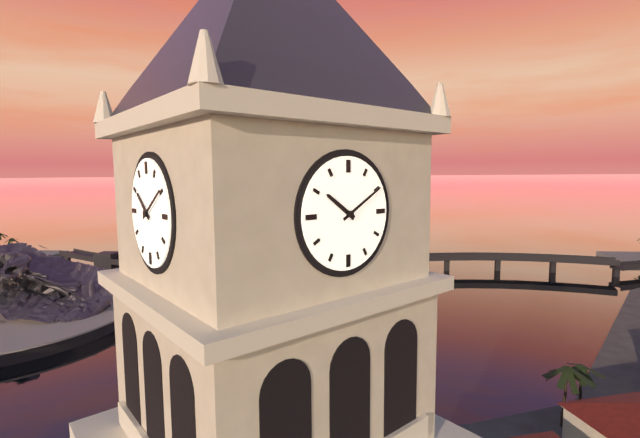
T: 10 h 10 min
